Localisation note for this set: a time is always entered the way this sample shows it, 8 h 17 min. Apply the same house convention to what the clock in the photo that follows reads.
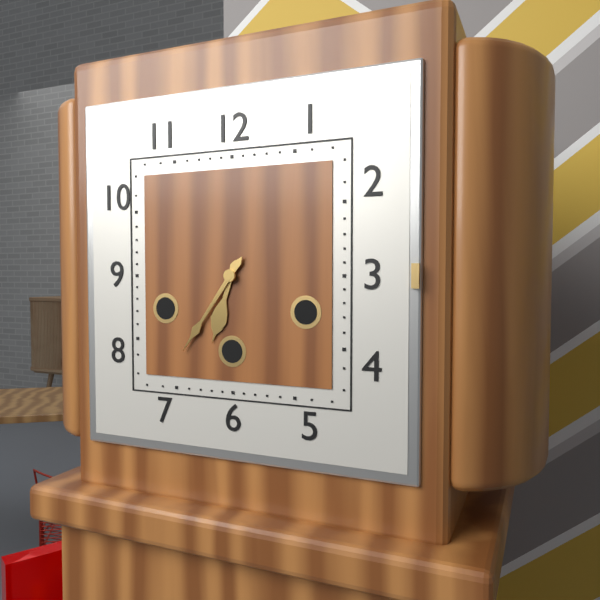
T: 6 h 36 min
